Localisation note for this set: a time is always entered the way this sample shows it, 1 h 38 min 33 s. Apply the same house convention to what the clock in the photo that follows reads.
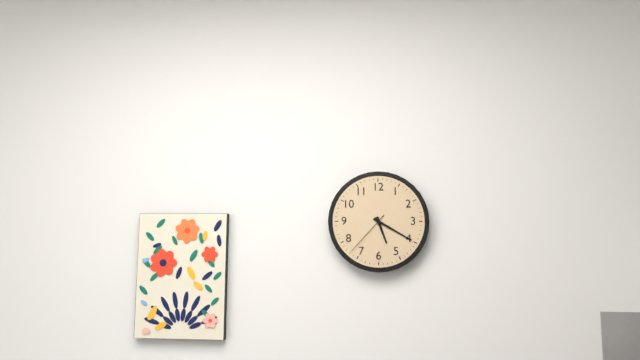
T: 5 h 20 min 37 s
